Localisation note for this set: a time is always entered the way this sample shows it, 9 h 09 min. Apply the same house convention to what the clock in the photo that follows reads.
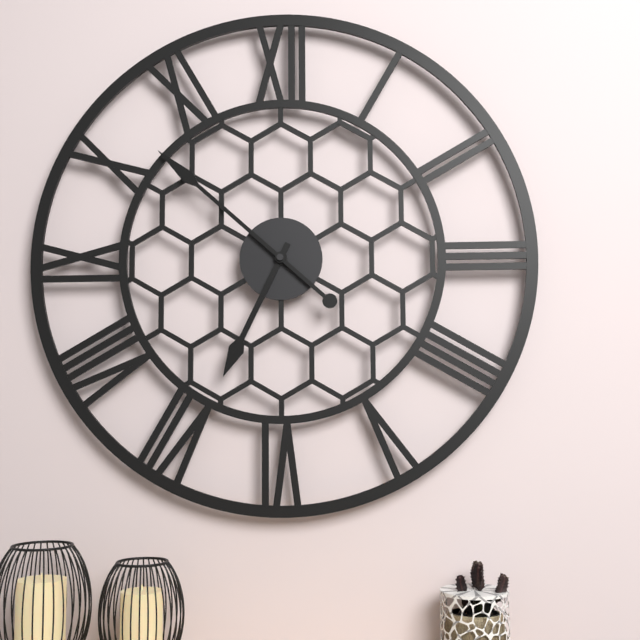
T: 6 h 52 min
